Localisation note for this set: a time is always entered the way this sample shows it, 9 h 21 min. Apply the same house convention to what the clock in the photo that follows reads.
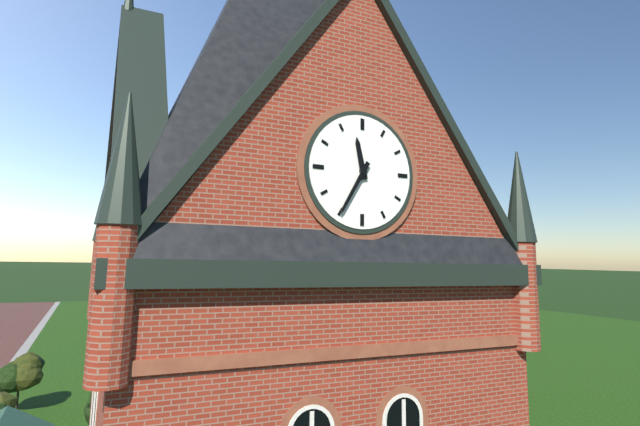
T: 11 h 35 min
